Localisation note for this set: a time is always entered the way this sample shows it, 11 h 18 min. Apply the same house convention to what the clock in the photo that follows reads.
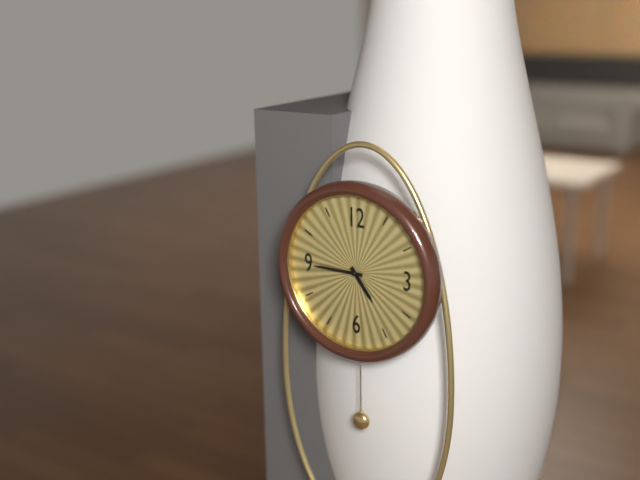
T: 4 h 45 min
